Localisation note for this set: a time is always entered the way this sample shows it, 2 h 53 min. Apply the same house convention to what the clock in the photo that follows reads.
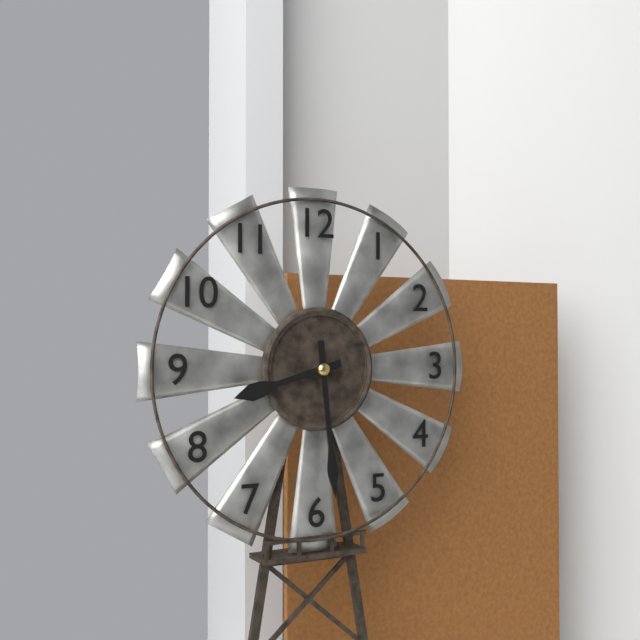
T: 8 h 29 min
